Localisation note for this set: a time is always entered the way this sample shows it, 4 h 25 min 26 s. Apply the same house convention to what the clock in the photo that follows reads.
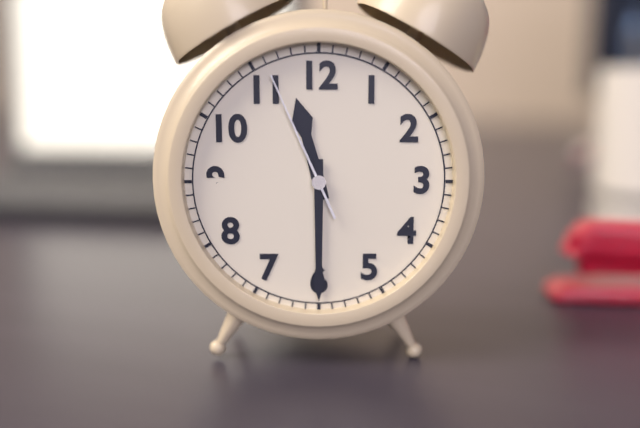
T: 11 h 30 min 56 s
